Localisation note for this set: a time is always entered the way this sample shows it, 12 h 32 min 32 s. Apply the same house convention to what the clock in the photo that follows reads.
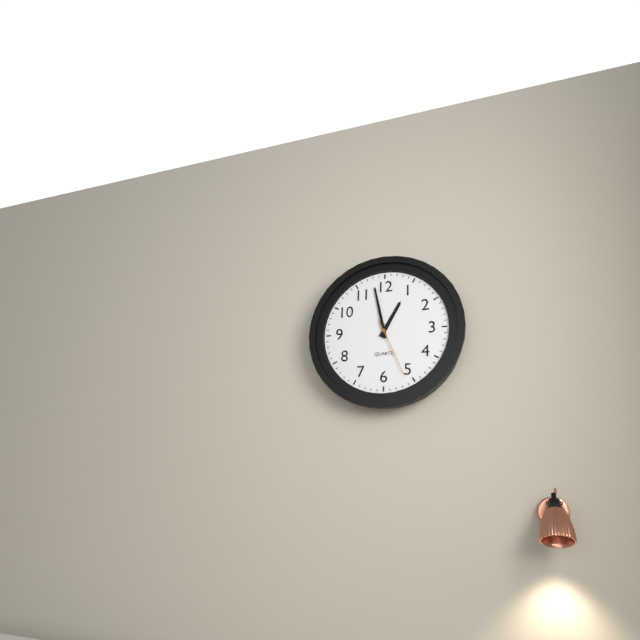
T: 12 h 58 min 26 s
